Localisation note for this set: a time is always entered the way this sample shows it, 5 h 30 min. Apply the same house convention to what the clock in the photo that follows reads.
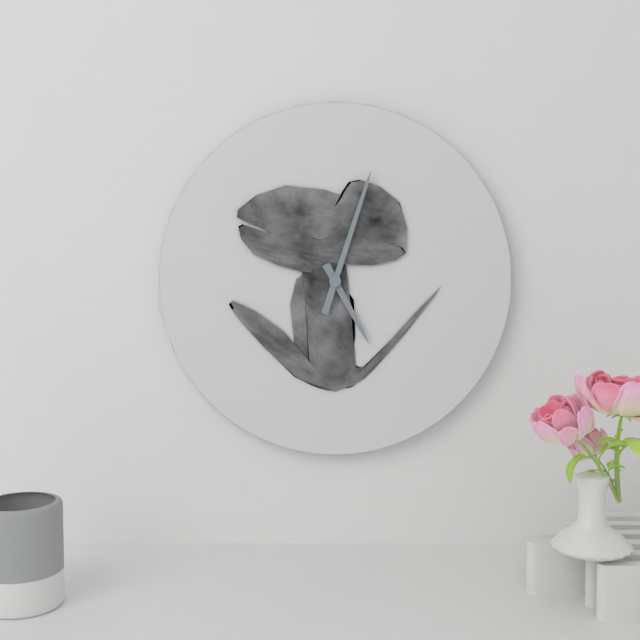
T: 5 h 03 min
